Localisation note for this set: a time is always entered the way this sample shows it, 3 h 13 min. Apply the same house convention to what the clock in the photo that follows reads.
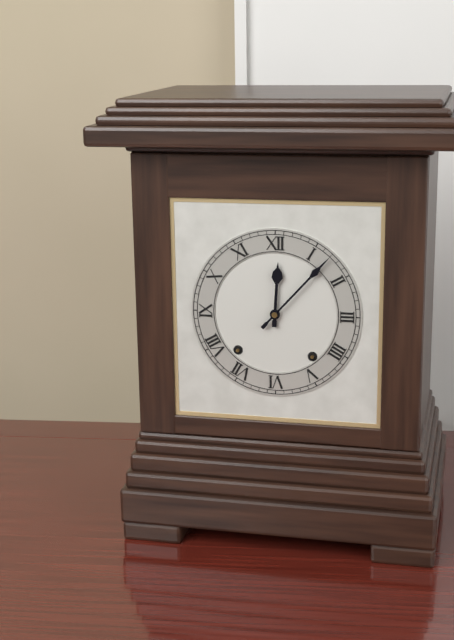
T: 12 h 07 min
